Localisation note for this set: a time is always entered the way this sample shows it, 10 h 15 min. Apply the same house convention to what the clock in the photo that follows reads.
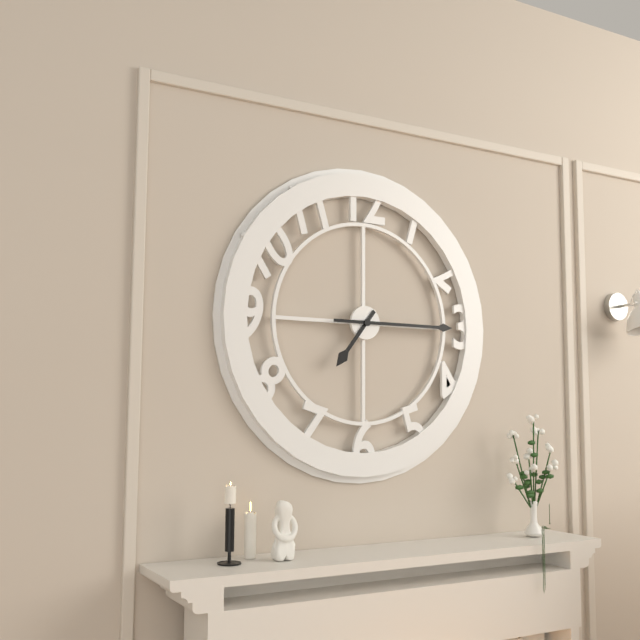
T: 7 h 15 min
